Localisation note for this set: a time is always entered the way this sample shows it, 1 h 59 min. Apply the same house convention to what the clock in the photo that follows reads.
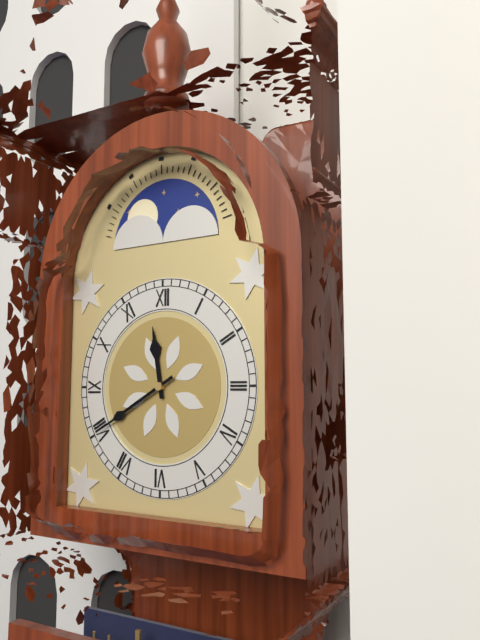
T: 11 h 40 min
